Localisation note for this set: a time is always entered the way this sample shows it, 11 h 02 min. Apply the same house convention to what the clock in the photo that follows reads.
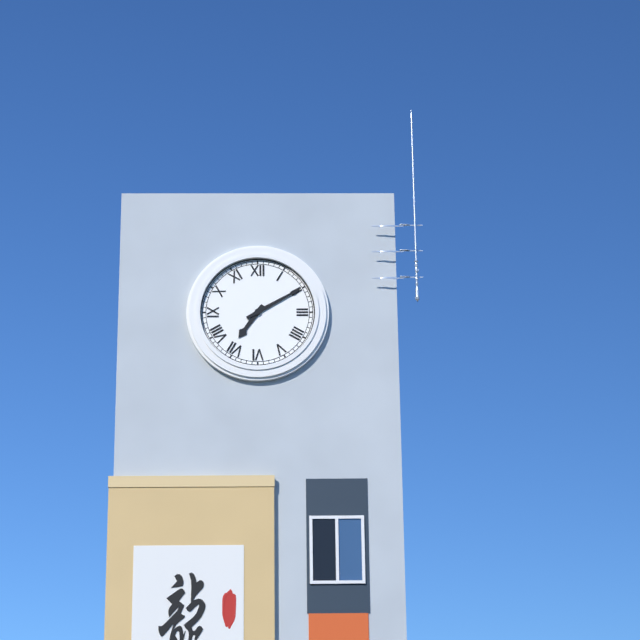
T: 7 h 10 min
